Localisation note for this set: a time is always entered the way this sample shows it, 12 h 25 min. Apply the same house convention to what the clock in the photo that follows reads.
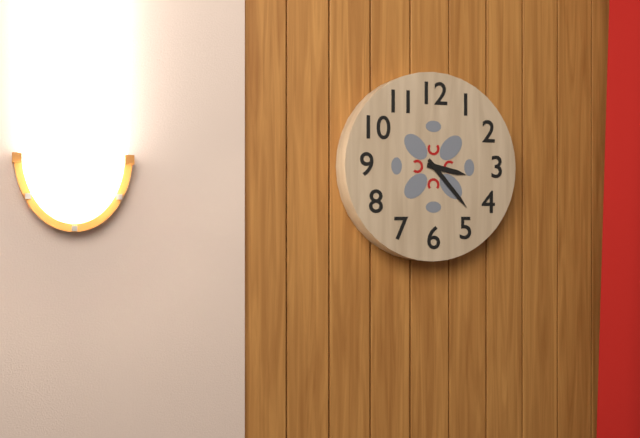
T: 3 h 23 min
